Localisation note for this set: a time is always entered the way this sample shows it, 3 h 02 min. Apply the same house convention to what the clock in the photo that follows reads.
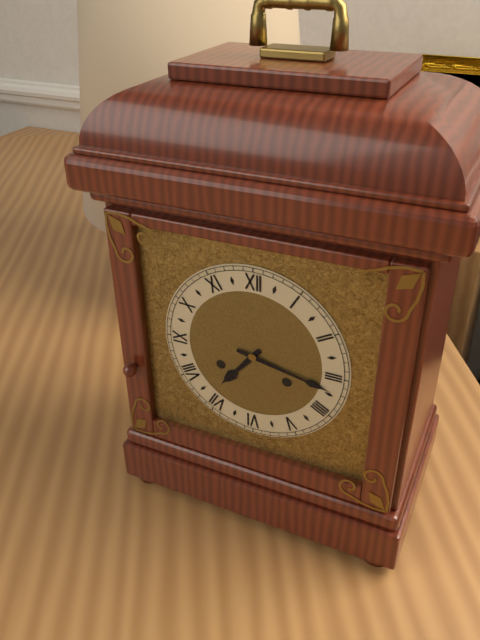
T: 7 h 17 min
